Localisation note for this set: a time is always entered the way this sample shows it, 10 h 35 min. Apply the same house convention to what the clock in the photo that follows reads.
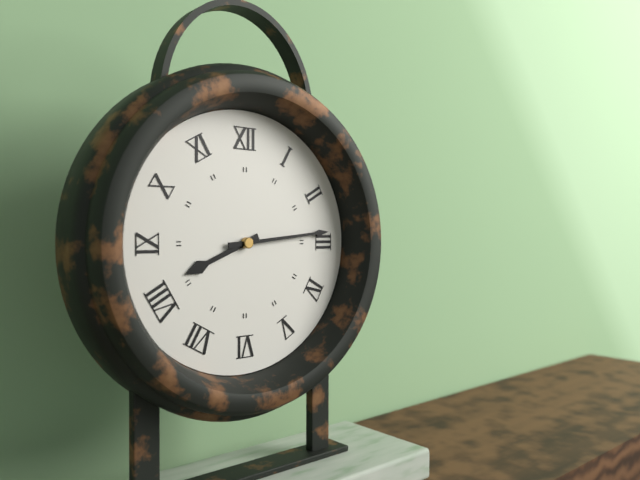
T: 8 h 14 min
